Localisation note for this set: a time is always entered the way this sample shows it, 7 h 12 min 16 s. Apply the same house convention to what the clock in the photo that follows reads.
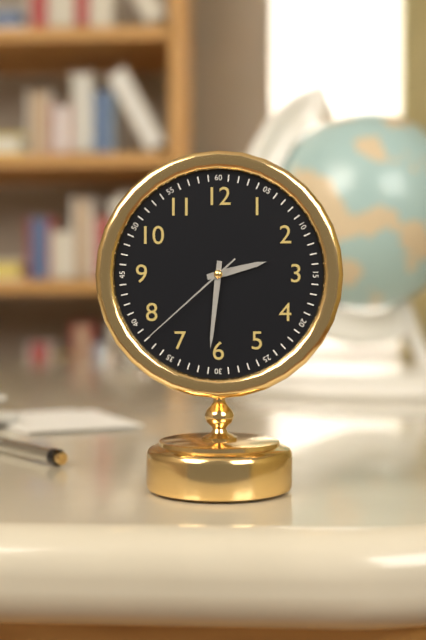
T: 2 h 31 min 38 s
